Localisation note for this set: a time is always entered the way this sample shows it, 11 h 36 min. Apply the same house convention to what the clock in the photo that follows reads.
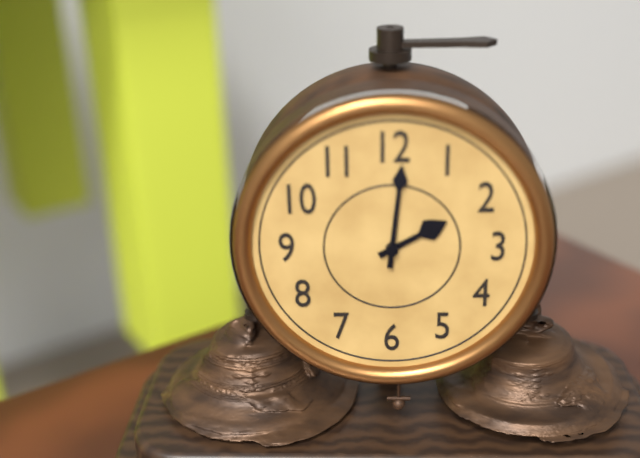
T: 2 h 01 min
